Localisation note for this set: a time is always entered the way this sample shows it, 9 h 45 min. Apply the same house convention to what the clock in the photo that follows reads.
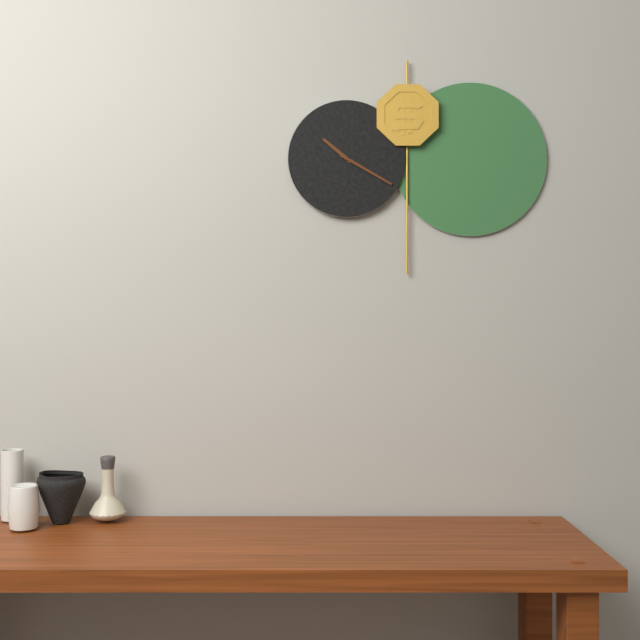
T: 10 h 20 min
